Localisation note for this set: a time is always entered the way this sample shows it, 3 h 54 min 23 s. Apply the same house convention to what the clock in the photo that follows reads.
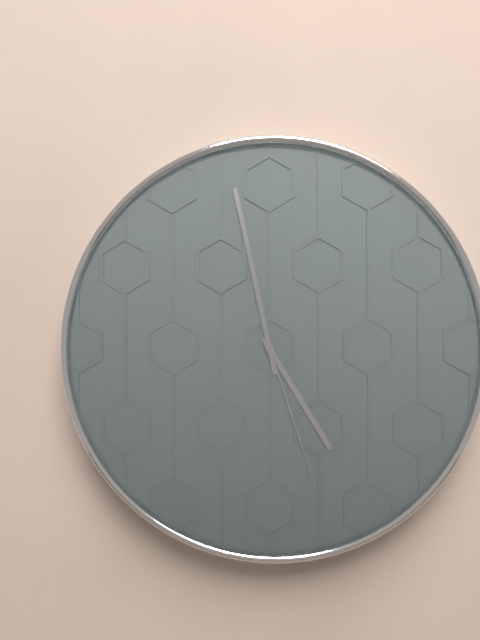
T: 4 h 58 min 27 s
